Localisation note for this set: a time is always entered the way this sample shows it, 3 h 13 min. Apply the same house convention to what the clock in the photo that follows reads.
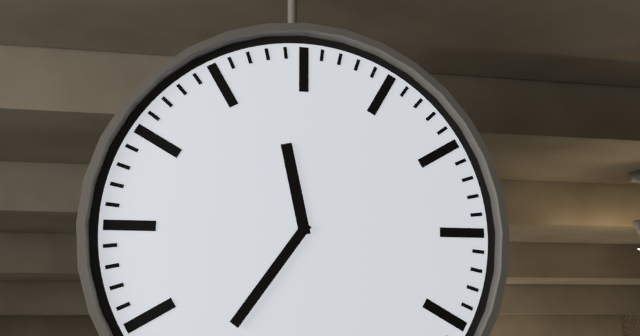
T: 11 h 36 min
